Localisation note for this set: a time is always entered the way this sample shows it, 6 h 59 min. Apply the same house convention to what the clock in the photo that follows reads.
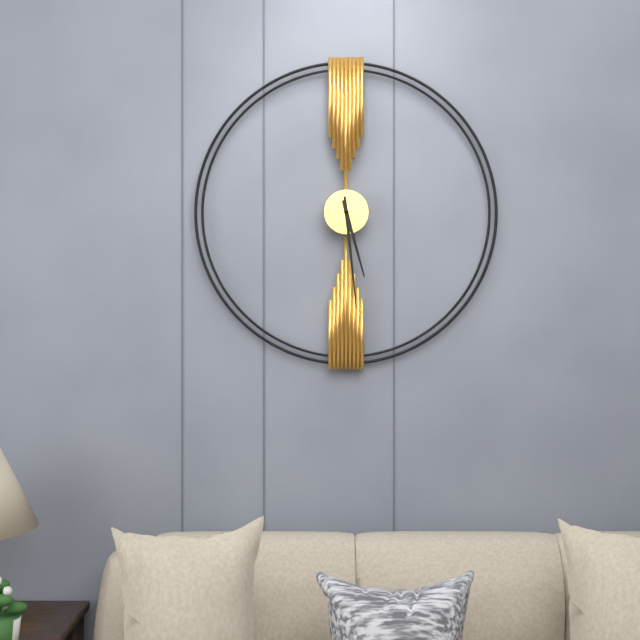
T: 5 h 29 min
